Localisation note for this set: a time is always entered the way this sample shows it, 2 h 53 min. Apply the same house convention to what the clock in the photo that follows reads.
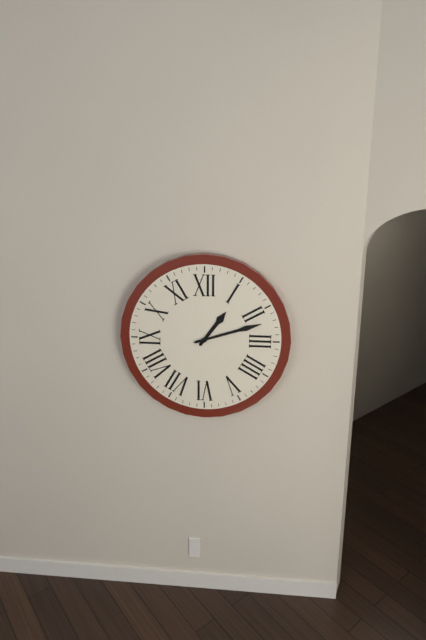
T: 1 h 12 min
